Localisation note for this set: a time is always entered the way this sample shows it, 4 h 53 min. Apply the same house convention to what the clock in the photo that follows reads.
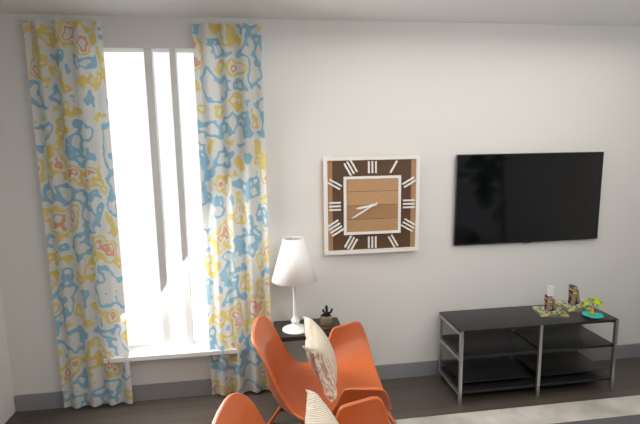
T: 8 h 40 min
